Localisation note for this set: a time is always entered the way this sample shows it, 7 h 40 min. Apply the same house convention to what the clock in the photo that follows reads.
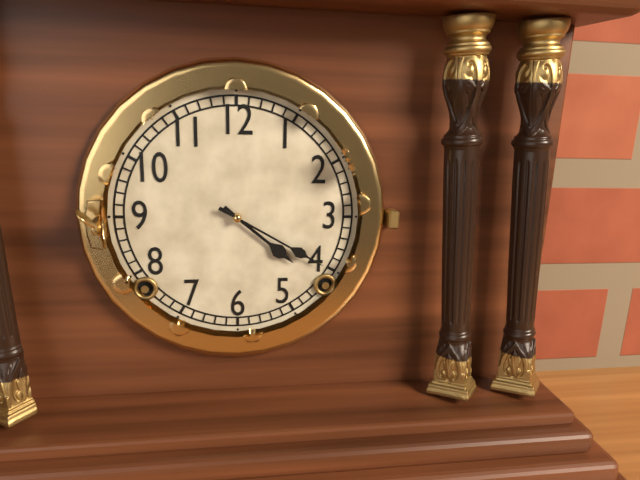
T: 4 h 20 min
